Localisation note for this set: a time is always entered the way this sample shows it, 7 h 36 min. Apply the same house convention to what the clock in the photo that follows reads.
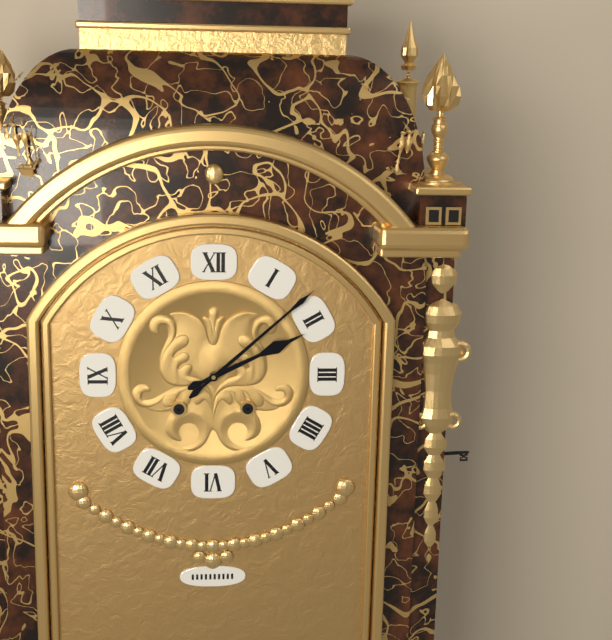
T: 2 h 08 min
